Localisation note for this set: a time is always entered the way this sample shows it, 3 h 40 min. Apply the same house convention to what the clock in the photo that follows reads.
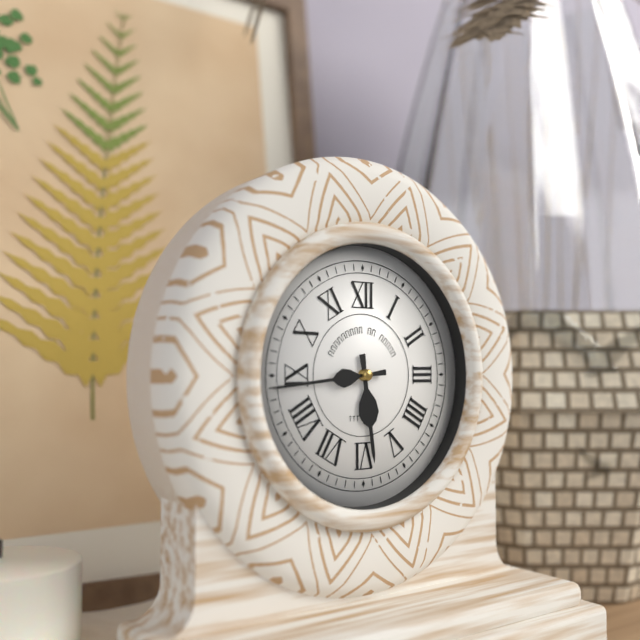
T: 5 h 44 min
